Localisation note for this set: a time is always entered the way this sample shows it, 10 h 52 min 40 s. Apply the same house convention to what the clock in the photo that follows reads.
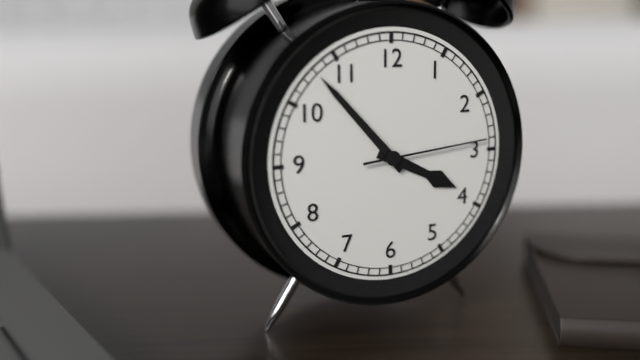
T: 3 h 53 min 14 s
